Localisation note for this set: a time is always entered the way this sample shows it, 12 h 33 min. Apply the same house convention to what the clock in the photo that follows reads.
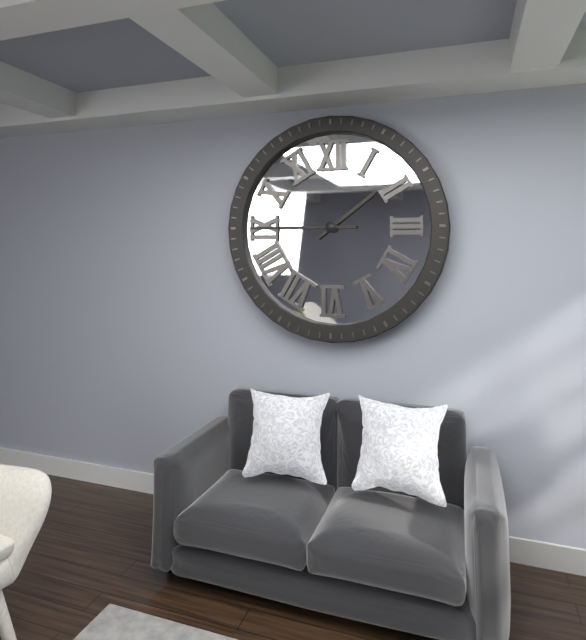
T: 1 h 45 min
